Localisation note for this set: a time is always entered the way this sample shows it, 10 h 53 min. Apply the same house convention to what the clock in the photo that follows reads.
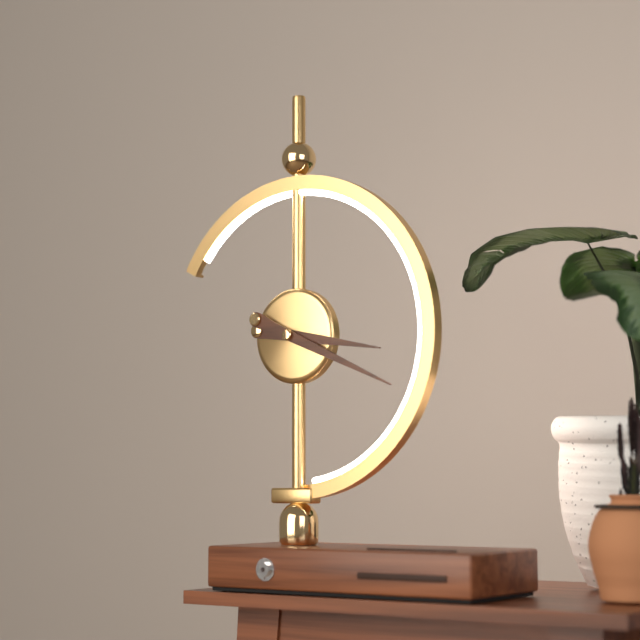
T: 3 h 19 min
